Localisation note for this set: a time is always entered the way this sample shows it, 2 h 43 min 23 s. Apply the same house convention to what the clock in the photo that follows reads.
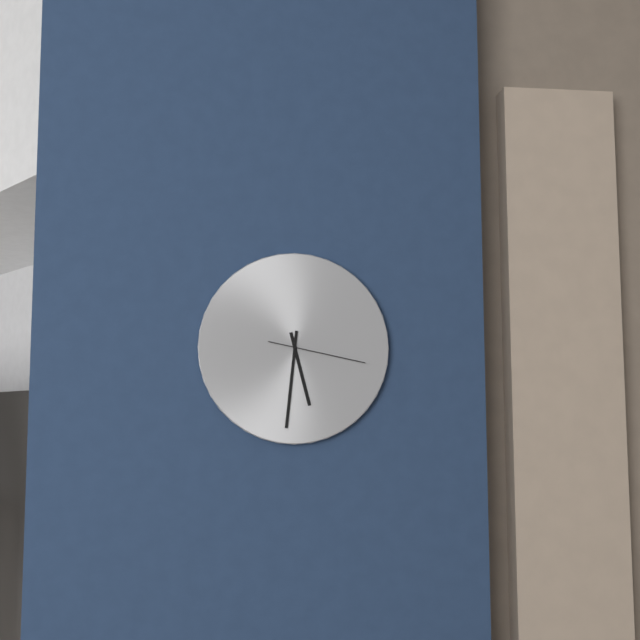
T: 5 h 31 min 17 s
